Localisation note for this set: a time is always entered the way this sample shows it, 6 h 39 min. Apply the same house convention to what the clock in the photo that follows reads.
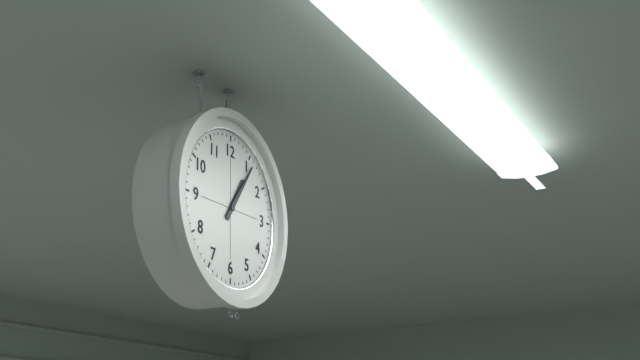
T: 1 h 06 min
